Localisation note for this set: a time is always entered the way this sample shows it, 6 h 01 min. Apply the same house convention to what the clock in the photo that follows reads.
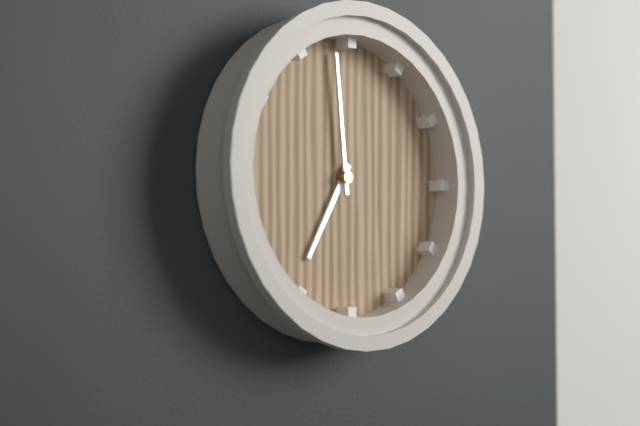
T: 6 h 59 min
